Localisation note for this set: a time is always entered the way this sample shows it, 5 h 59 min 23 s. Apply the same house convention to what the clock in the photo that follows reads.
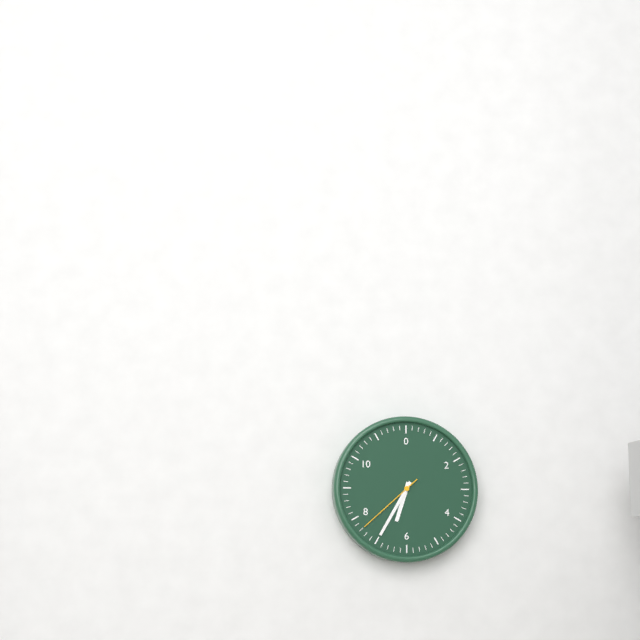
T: 6 h 35 min 38 s
